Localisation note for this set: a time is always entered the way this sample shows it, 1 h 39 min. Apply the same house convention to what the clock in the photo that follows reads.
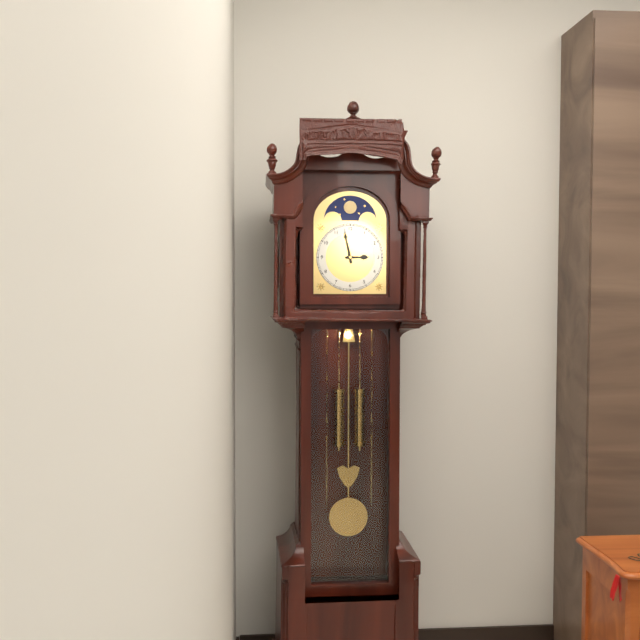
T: 2 h 58 min
